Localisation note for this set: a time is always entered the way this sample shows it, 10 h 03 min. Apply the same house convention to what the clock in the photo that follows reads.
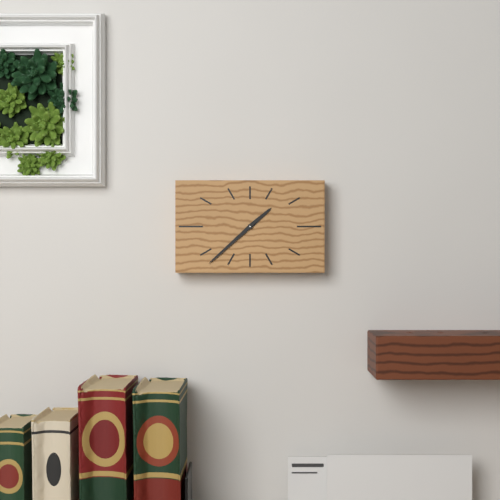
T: 1 h 38 min
